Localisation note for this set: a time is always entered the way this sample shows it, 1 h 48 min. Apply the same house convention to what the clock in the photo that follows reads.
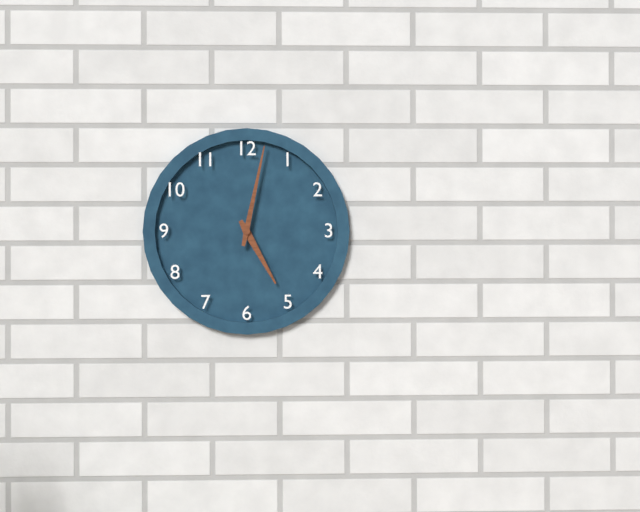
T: 5 h 02 min
